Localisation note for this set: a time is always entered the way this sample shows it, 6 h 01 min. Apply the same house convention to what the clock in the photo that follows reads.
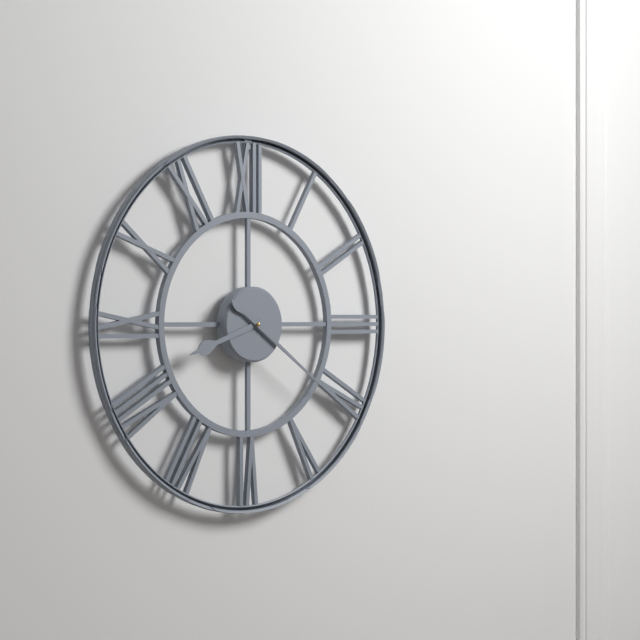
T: 8 h 21 min
